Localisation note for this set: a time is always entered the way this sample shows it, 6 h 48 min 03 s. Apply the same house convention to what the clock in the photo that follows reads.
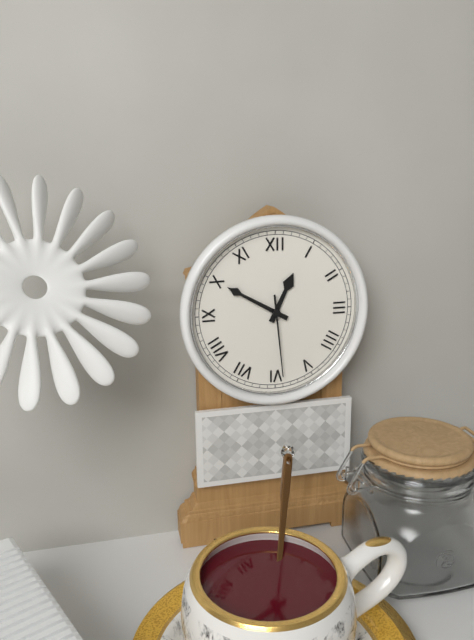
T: 12 h 50 min 29 s
